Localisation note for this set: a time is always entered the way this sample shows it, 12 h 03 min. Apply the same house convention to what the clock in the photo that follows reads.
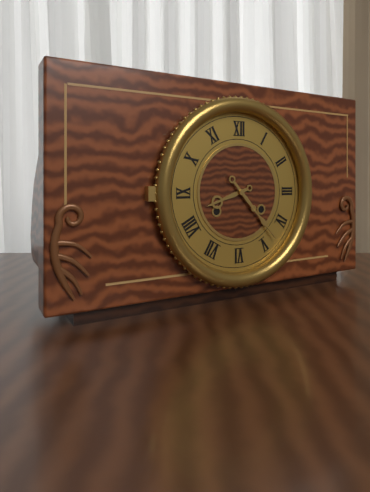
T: 8 h 23 min
